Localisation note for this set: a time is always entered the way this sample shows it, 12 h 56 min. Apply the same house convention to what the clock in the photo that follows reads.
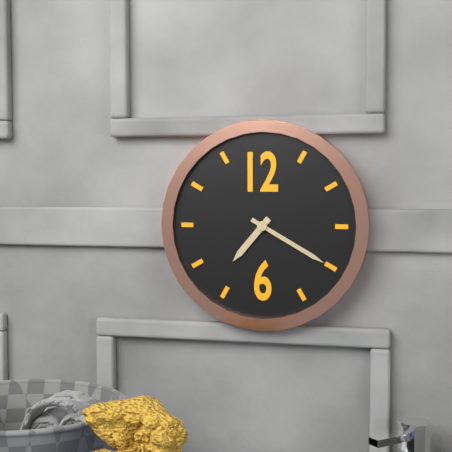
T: 7 h 20 min
